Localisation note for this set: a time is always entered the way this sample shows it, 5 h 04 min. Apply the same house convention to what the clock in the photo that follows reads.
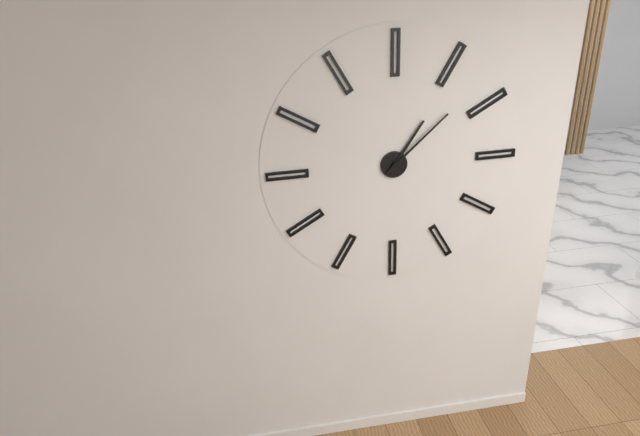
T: 1 h 08 min
